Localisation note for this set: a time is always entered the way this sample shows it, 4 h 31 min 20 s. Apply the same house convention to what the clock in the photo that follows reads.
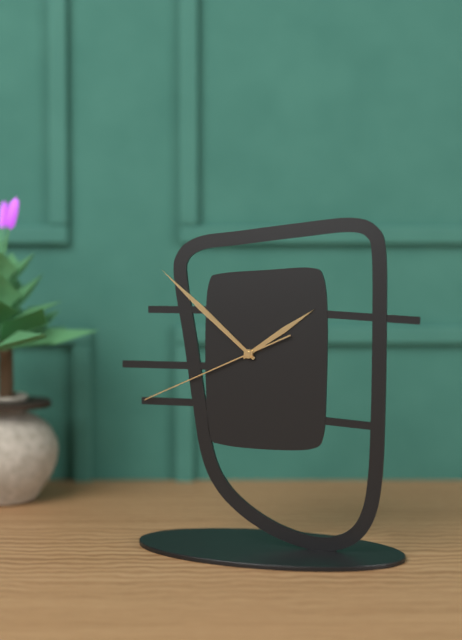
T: 1 h 52 min 41 s
